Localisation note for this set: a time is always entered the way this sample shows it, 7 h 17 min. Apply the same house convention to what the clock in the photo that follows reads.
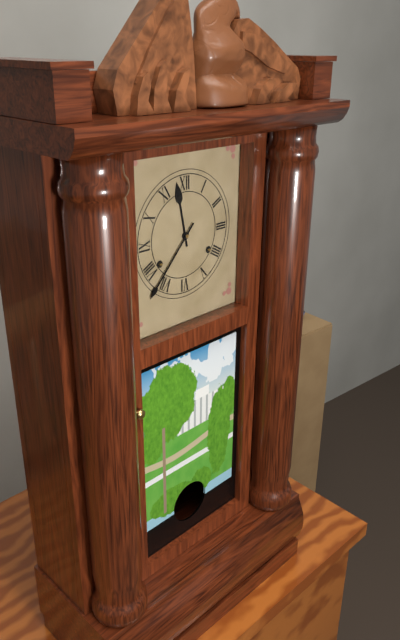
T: 11 h 37 min
